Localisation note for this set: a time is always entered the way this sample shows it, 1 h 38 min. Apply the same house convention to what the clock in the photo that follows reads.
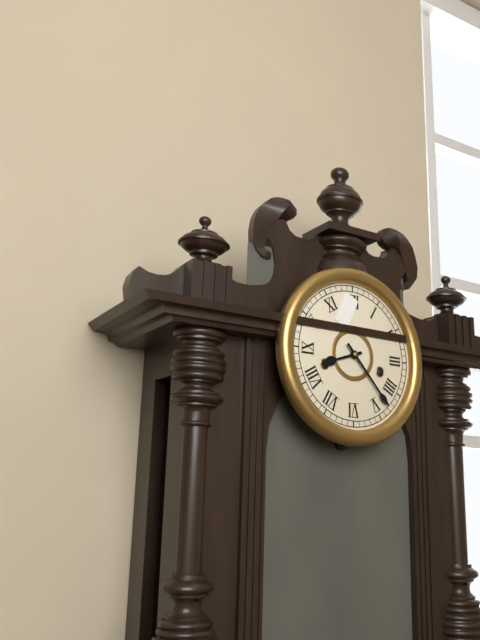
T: 8 h 23 min
